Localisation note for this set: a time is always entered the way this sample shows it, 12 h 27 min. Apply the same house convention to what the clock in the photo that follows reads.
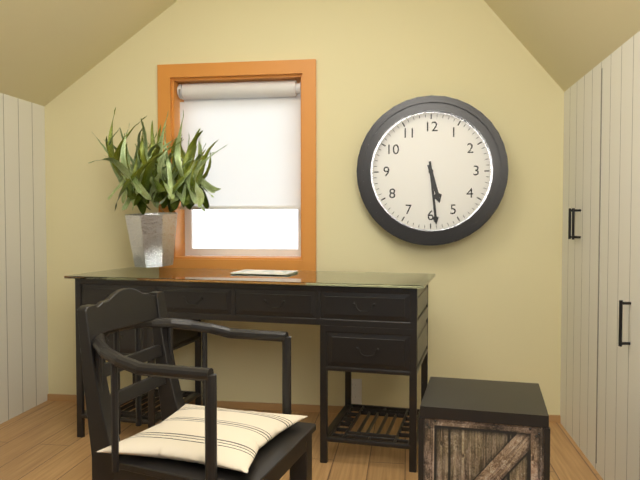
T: 5 h 29 min
